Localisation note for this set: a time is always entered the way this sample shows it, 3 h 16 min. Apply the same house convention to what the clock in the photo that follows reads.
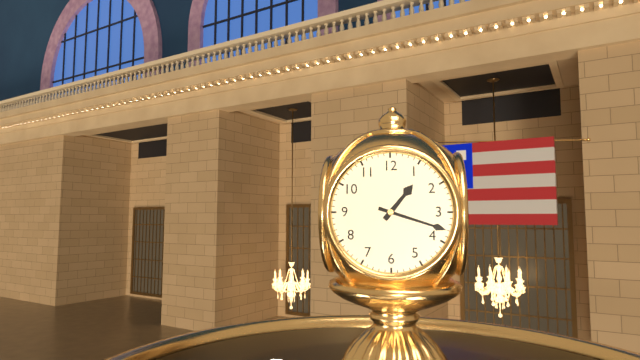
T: 1 h 18 min
